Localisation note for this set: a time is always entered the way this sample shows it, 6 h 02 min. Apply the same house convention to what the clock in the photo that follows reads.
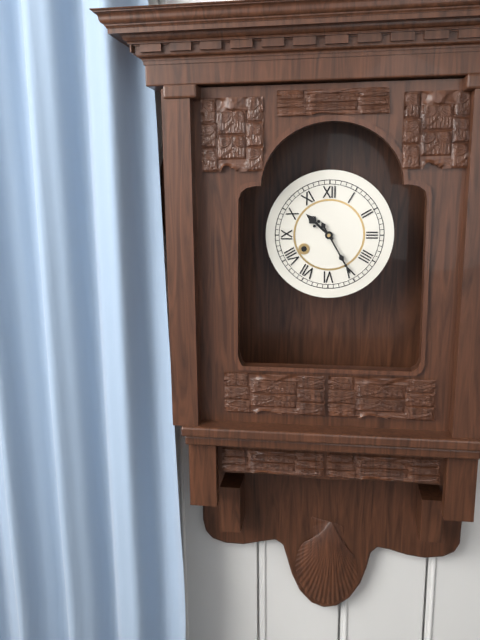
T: 10 h 25 min
